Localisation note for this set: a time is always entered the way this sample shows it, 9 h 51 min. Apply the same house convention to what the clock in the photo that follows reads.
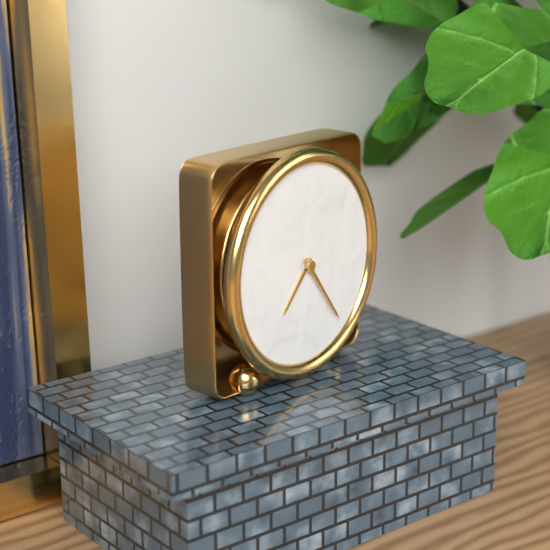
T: 7 h 24 min
